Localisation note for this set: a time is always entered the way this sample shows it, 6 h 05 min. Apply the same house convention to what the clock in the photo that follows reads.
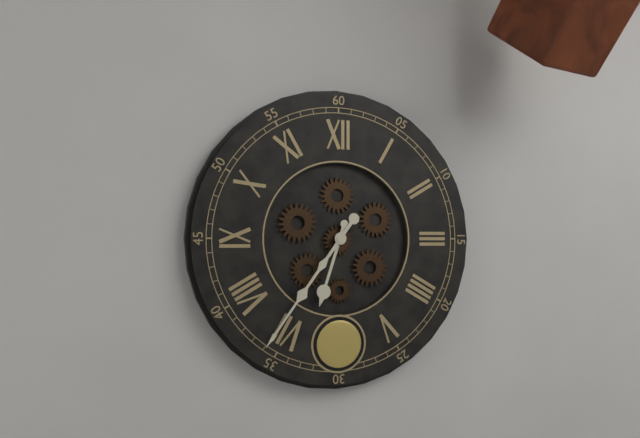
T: 6 h 36 min
